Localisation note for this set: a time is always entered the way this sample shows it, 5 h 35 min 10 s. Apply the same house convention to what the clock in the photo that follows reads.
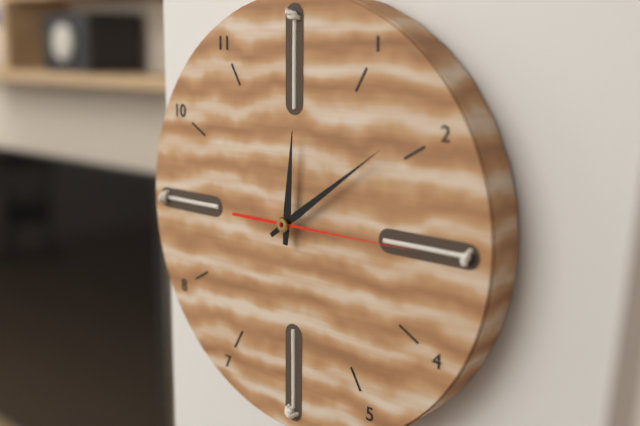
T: 12 h 09 min 15 s
